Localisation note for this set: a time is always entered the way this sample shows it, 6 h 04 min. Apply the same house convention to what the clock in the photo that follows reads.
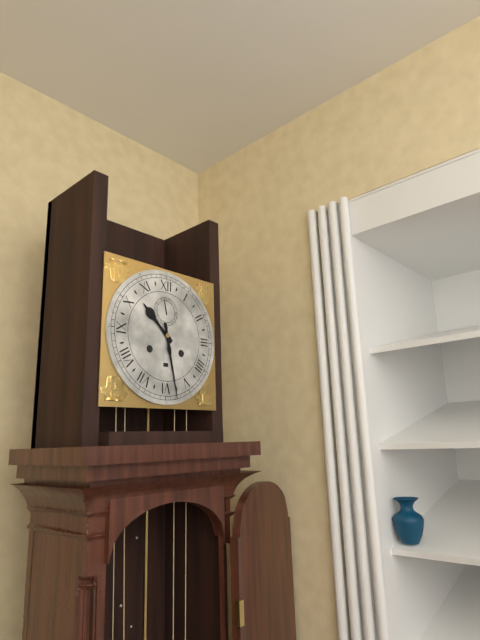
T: 10 h 28 min
